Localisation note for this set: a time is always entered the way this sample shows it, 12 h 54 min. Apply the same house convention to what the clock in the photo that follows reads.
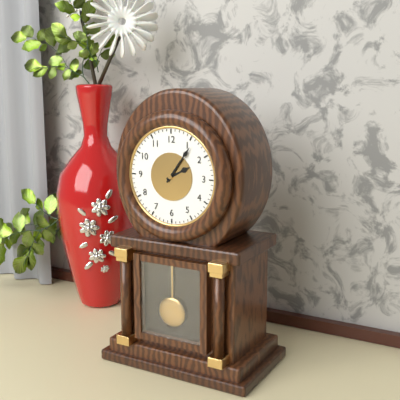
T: 2 h 06 min
